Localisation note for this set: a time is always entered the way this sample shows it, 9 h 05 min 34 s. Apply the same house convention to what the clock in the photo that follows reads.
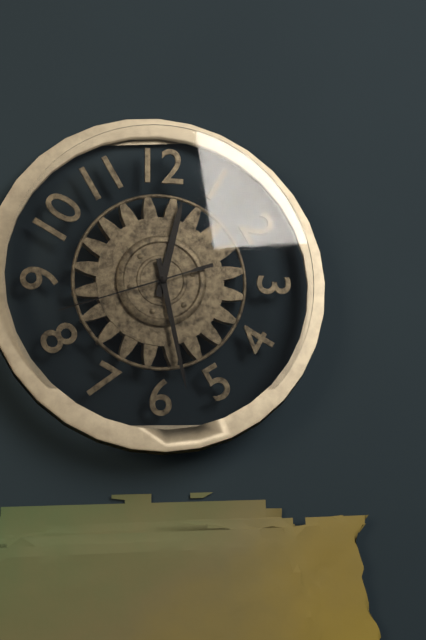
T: 12 h 28 min 42 s
